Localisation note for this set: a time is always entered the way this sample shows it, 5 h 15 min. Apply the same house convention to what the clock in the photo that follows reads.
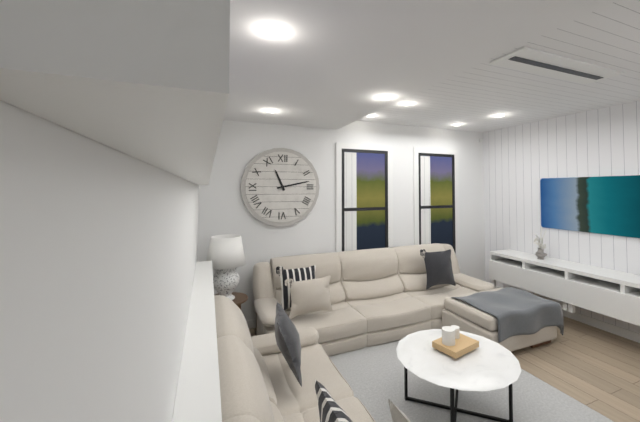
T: 11 h 13 min
